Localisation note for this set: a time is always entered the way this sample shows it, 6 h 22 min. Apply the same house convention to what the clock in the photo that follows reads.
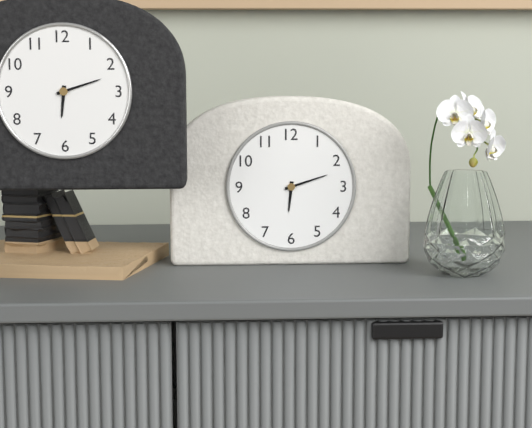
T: 6 h 12 min
